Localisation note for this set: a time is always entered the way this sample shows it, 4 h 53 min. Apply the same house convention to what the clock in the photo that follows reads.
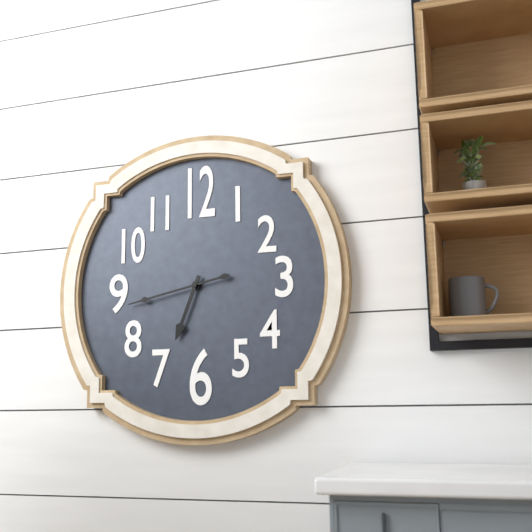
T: 6 h 43 min
